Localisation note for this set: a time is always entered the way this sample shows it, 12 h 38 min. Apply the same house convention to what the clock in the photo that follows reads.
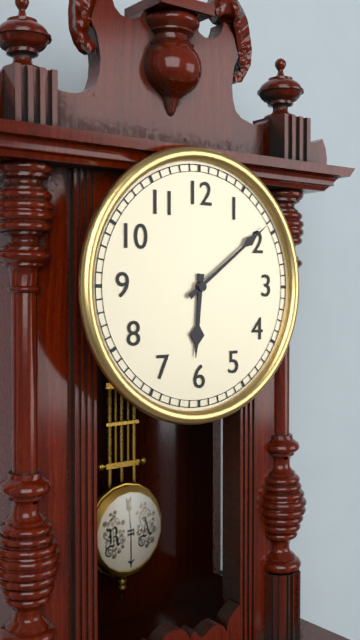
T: 6 h 09 min
